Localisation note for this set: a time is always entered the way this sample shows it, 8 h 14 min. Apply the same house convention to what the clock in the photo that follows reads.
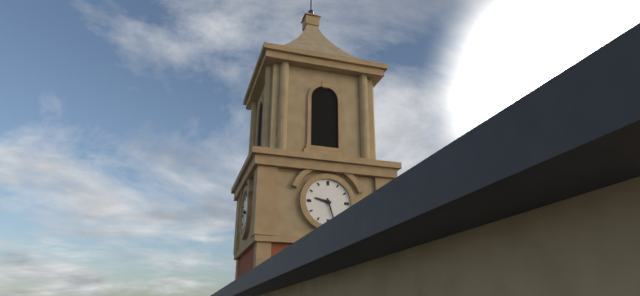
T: 9 h 27 min
